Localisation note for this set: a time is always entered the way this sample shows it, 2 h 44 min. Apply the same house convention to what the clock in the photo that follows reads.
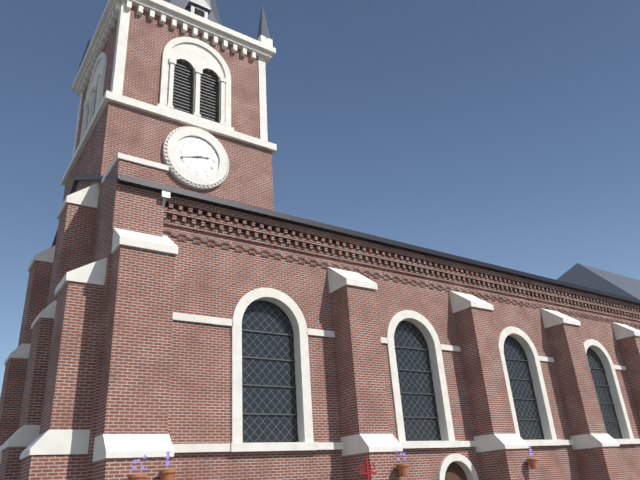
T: 2 h 42 min
